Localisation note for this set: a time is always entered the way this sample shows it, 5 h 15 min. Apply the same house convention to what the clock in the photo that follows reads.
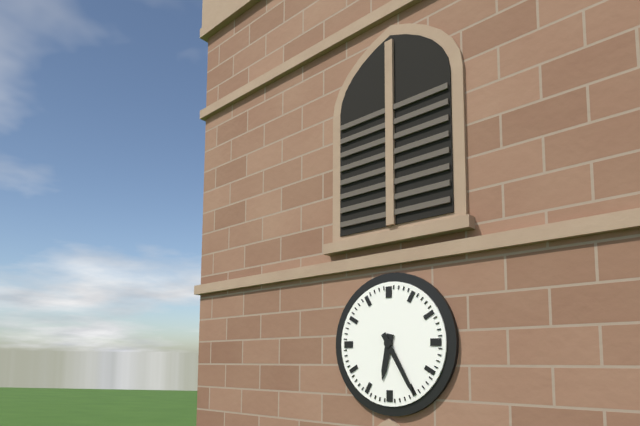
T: 6 h 25 min
